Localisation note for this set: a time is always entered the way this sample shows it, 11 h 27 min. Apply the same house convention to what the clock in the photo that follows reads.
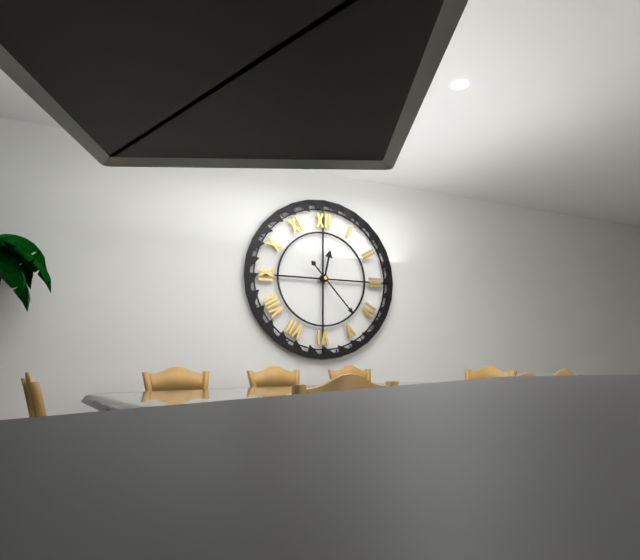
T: 12 h 23 min
